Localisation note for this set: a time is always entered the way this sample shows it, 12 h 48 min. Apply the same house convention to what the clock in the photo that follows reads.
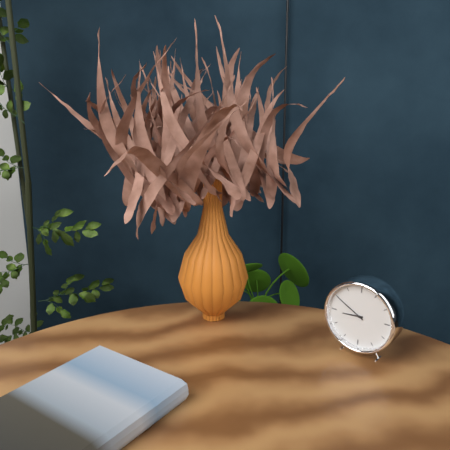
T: 8 h 50 min
